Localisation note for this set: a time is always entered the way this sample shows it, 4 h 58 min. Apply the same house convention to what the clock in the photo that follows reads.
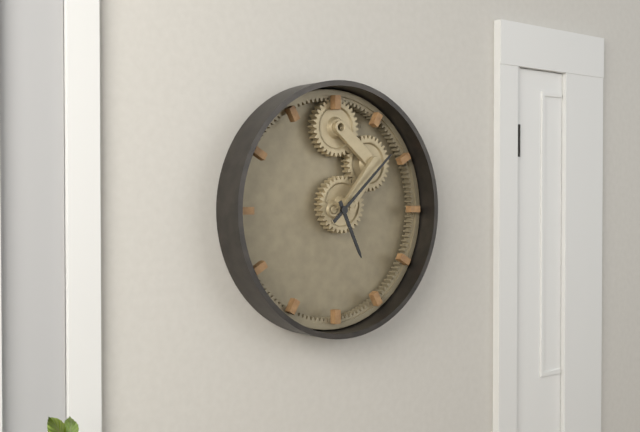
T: 5 h 08 min
